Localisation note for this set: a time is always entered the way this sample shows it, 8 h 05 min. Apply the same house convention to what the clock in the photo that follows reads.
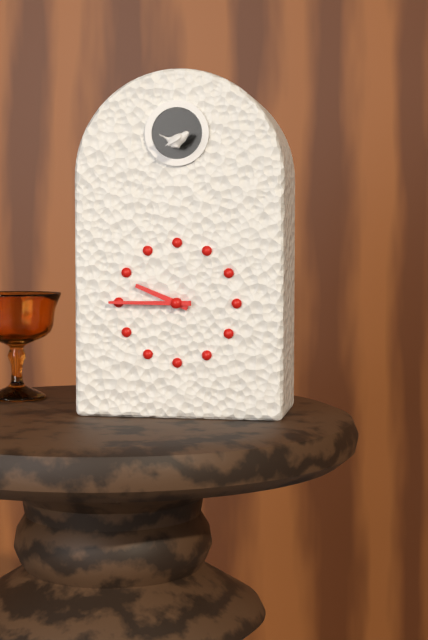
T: 9 h 45 min
